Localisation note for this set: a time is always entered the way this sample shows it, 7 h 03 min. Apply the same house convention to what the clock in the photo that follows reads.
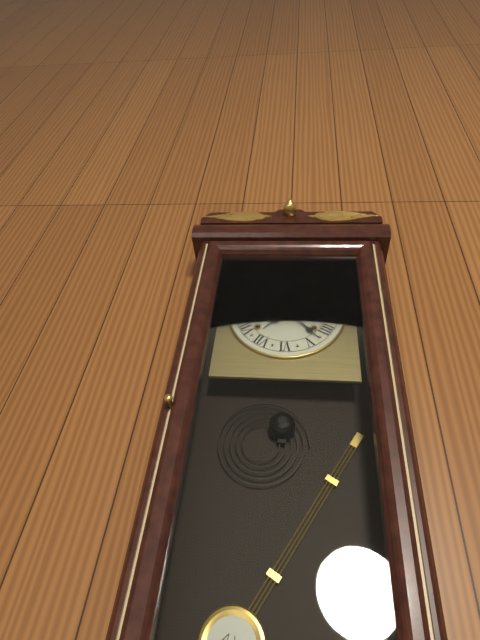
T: 7 h 23 min
